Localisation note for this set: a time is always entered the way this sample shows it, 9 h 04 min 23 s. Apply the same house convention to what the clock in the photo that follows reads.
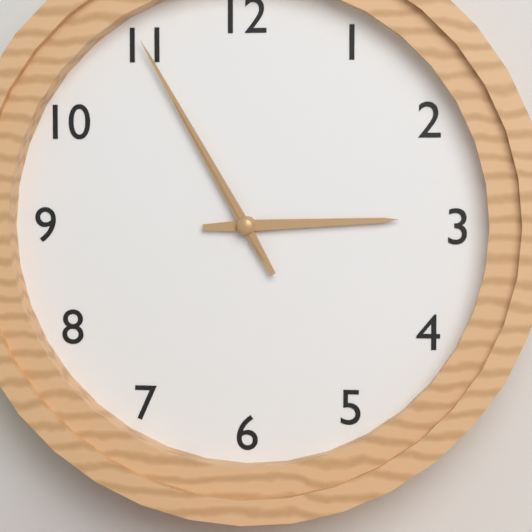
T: 2 h 55 min 55 s
